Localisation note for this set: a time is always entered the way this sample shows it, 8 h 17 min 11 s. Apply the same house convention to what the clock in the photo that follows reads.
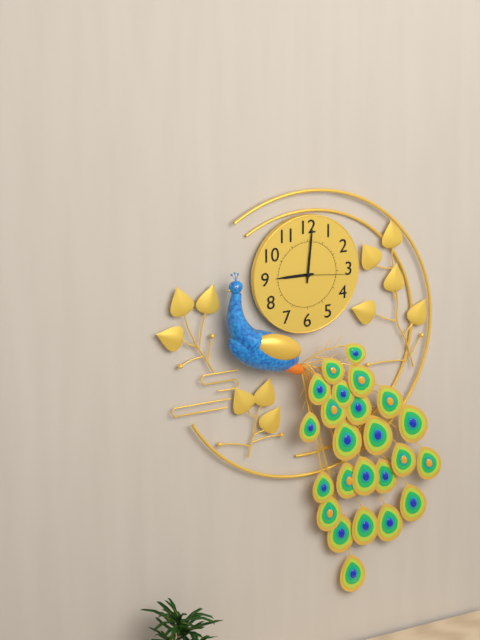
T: 9 h 01 min 16 s
